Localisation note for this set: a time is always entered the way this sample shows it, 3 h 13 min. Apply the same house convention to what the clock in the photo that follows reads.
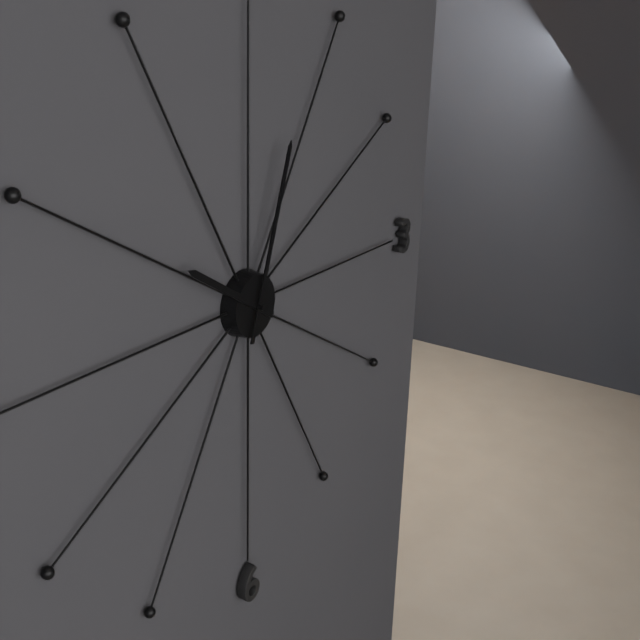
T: 10 h 03 min
